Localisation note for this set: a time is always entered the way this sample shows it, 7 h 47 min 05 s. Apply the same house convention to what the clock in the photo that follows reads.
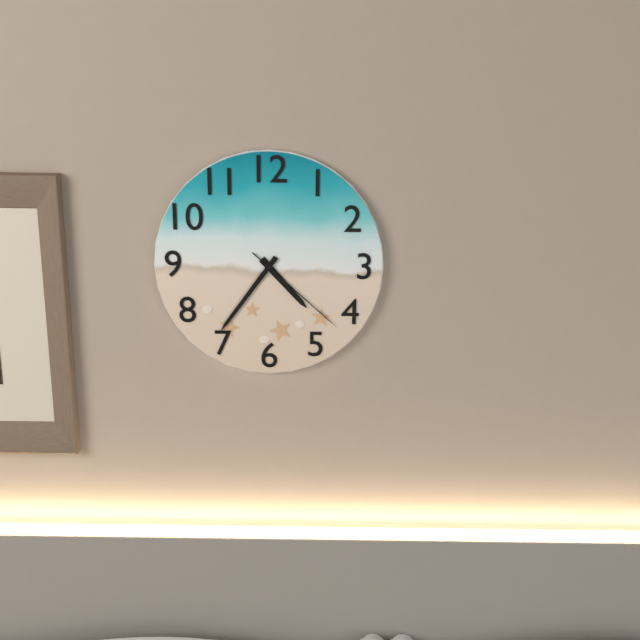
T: 4 h 36 min 22 s
